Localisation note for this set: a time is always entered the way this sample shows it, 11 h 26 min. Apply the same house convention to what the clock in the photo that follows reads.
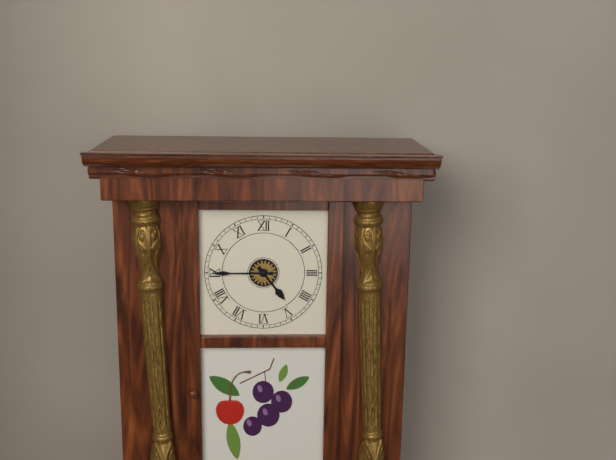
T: 4 h 45 min
